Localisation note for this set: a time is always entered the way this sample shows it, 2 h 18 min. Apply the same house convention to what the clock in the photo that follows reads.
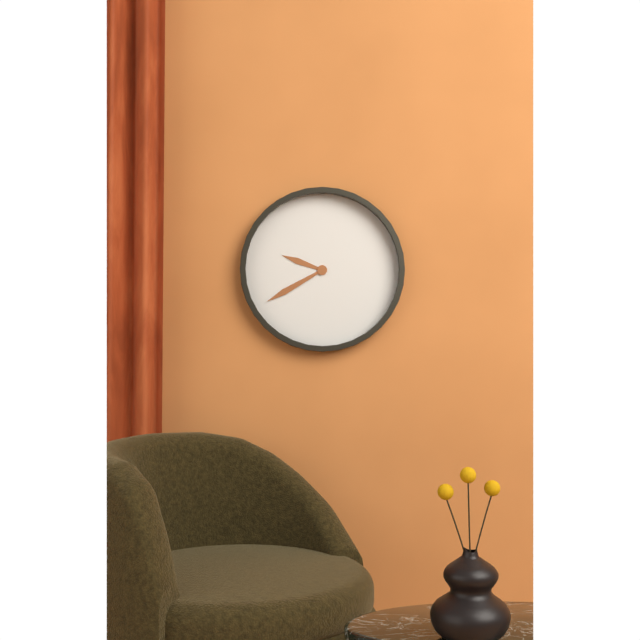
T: 9 h 40 min
